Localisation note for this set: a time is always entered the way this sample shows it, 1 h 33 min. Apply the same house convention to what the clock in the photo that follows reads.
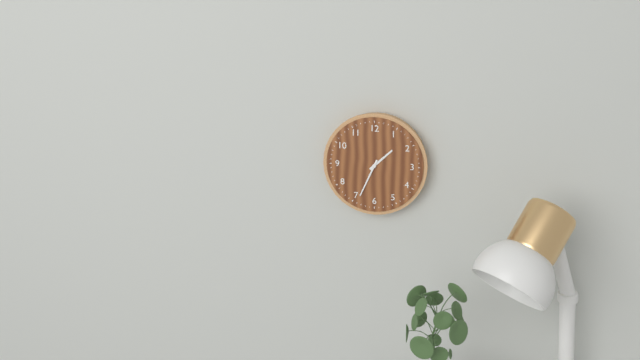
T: 1 h 34 min
